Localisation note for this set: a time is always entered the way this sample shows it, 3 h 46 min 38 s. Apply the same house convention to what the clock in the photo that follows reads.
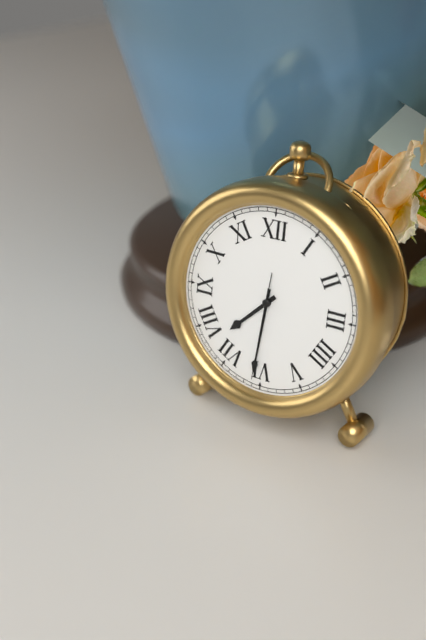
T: 7 h 31 min 31 s
